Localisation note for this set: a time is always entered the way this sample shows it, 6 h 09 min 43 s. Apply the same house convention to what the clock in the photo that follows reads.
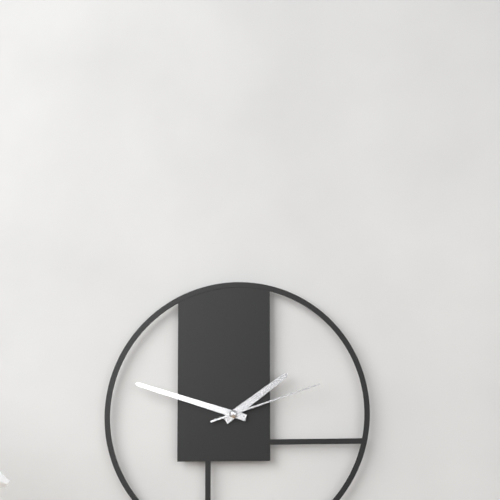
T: 1 h 48 min 12 s
